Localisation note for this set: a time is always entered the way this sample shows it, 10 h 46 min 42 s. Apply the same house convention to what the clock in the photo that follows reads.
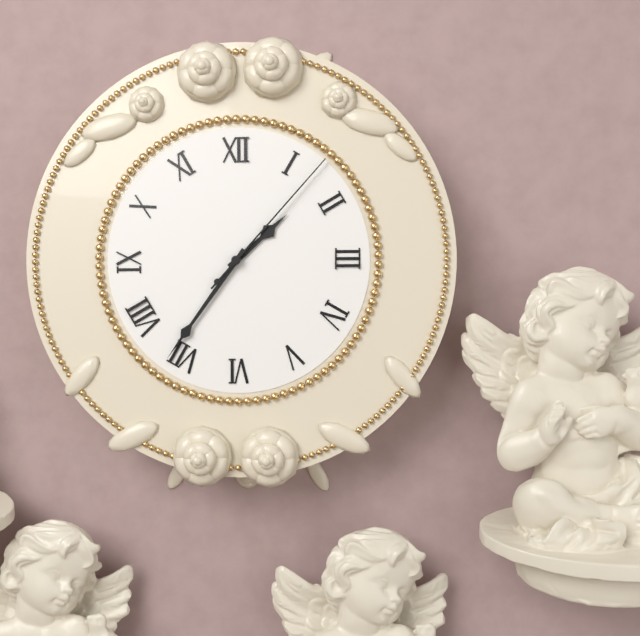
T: 1 h 36 min 07 s
